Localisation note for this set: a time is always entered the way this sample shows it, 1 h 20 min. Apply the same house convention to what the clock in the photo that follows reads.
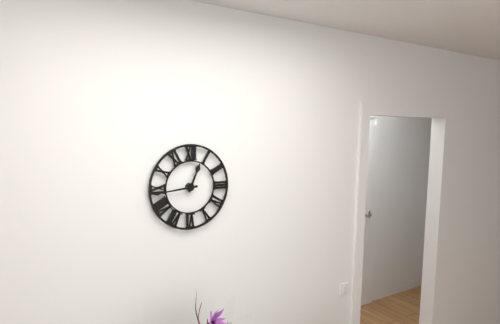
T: 12 h 44 min
